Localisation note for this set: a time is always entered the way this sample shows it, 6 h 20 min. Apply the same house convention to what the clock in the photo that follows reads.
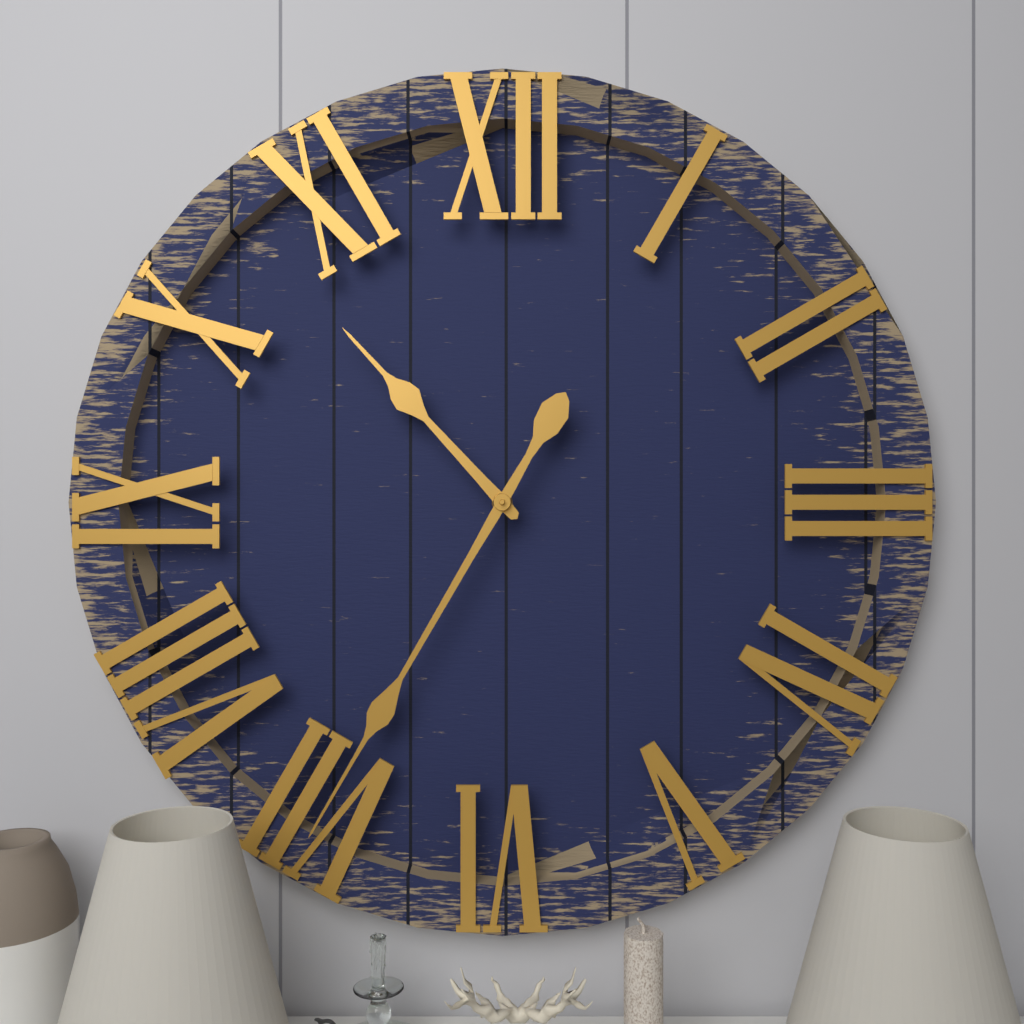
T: 10 h 35 min
